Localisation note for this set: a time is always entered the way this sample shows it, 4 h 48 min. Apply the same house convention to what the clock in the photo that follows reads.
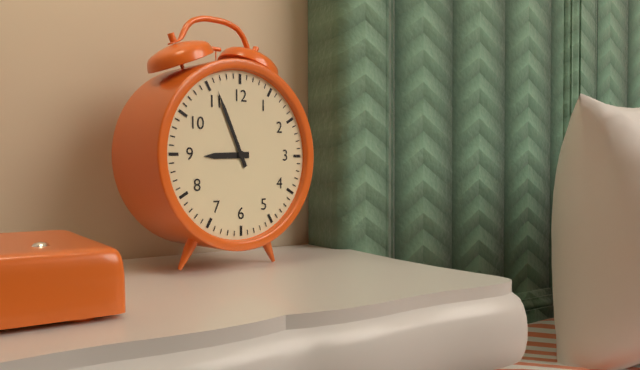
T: 8 h 56 min
